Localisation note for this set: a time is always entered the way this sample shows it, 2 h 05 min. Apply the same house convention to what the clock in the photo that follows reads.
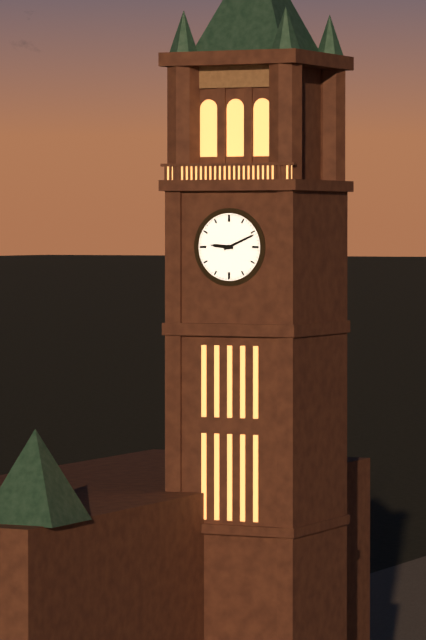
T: 9 h 11 min
